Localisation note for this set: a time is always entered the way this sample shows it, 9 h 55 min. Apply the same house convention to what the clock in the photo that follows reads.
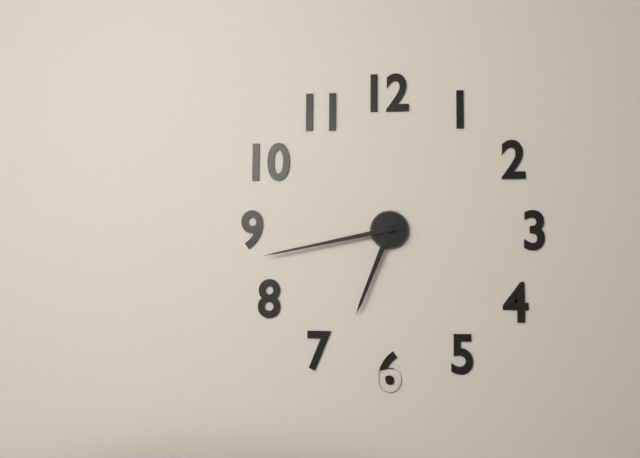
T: 6 h 43 min
